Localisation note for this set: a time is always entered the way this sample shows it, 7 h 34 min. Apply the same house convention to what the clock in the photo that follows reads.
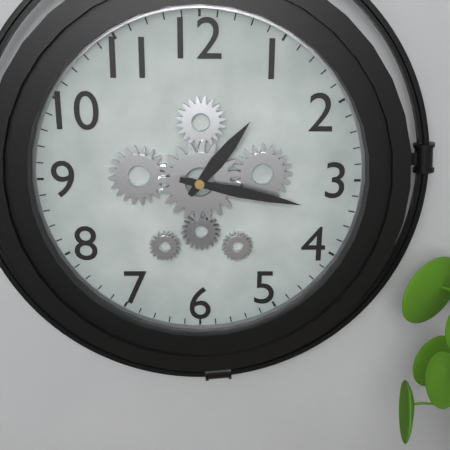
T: 1 h 17 min
